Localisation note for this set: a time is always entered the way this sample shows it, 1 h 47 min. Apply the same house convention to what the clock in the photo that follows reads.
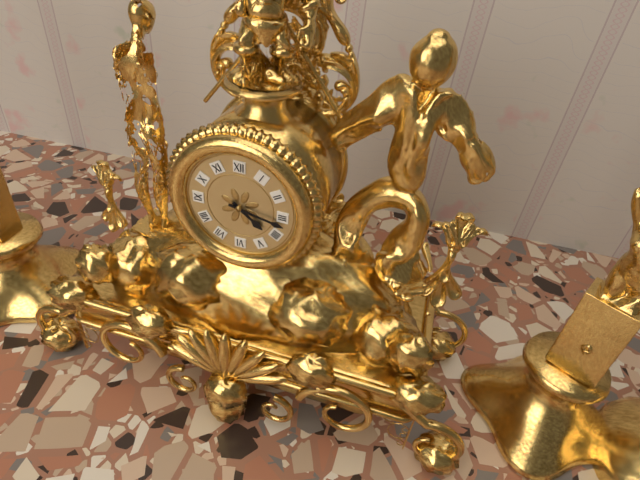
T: 4 h 17 min
